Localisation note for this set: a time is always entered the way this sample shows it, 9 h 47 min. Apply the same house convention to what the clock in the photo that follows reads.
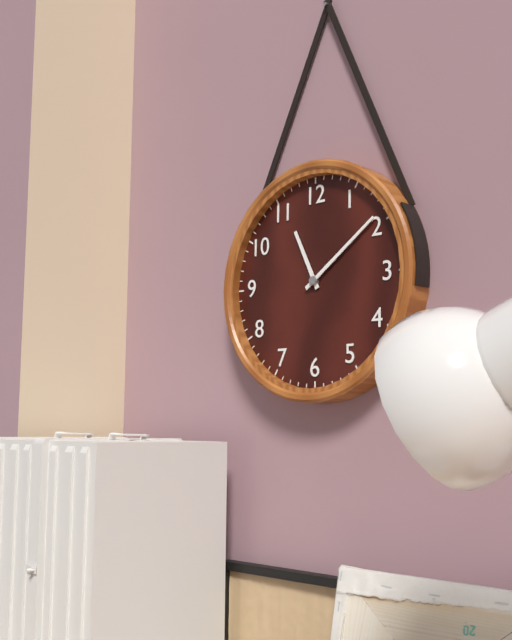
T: 11 h 09 min
